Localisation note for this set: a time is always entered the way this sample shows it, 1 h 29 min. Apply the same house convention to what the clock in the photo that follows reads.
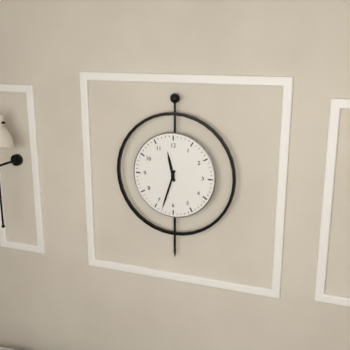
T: 11 h 33 min
